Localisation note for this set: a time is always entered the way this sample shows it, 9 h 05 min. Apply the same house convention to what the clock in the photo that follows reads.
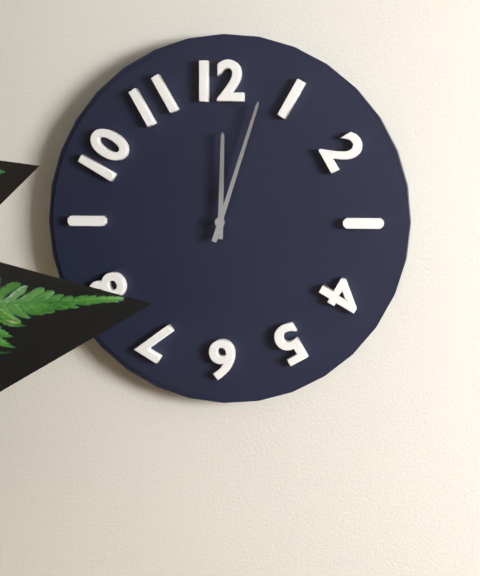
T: 12 h 03 min
